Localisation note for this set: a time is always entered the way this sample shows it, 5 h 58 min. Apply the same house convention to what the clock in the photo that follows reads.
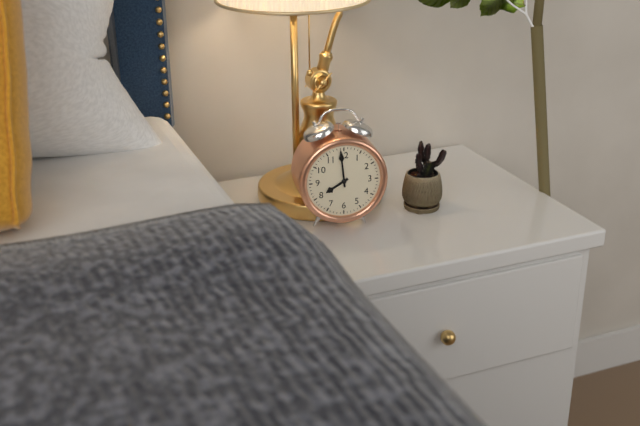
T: 7 h 59 min
